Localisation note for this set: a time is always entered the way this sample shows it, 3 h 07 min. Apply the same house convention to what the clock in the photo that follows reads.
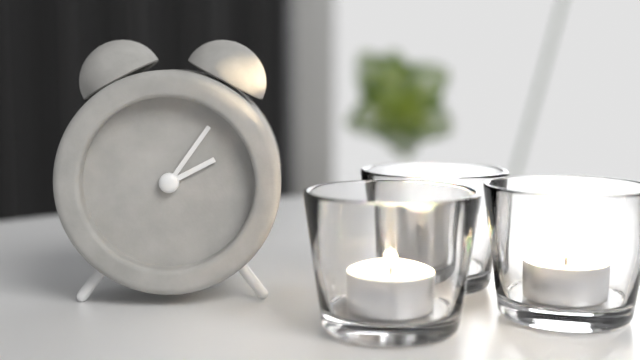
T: 2 h 06 min
